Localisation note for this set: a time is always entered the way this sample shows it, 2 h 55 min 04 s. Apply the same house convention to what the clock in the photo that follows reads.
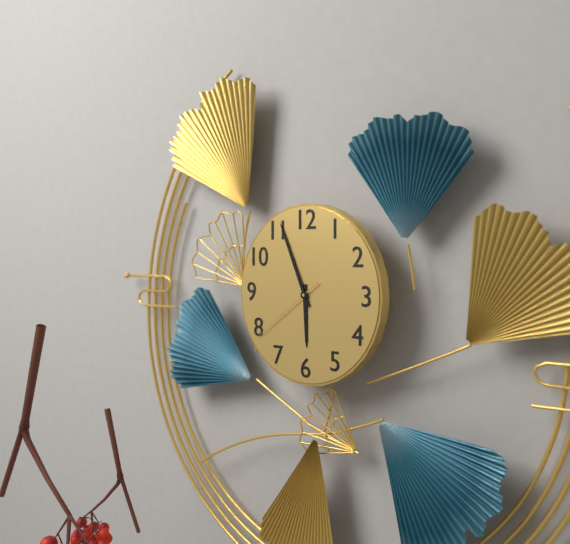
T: 5 h 56 min 39 s
